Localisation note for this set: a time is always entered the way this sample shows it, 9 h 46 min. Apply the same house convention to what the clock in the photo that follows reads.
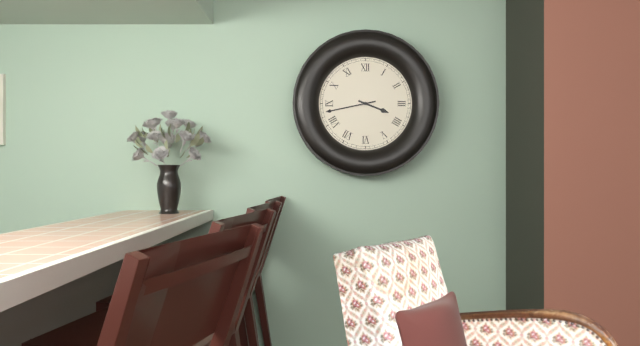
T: 3 h 43 min
